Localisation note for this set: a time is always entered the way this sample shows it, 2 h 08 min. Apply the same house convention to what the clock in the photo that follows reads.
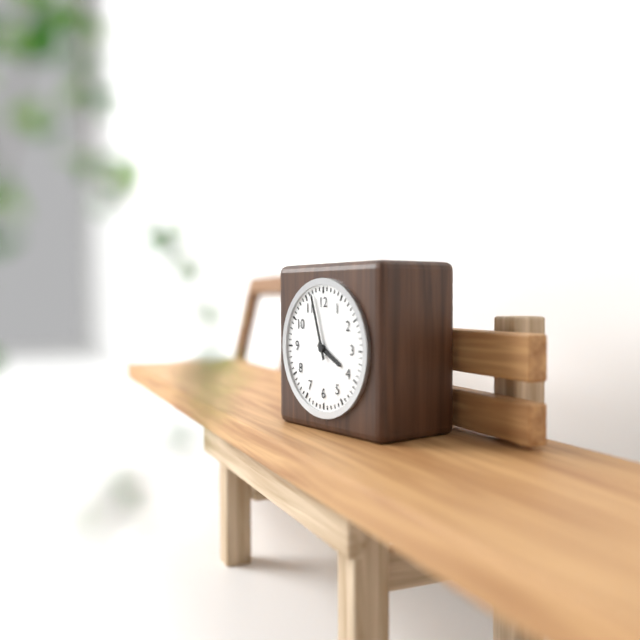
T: 3 h 57 min
